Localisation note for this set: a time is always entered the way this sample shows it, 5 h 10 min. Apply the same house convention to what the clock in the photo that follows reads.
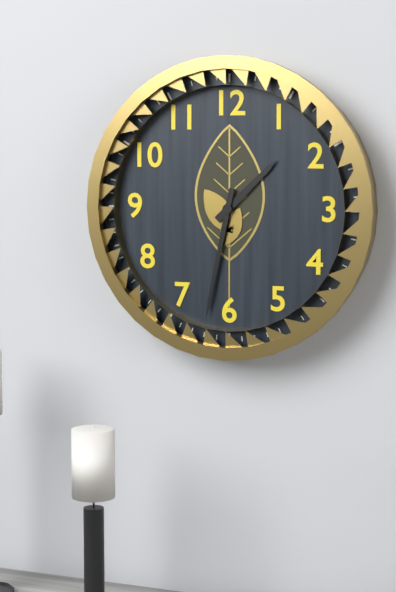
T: 1 h 32 min
